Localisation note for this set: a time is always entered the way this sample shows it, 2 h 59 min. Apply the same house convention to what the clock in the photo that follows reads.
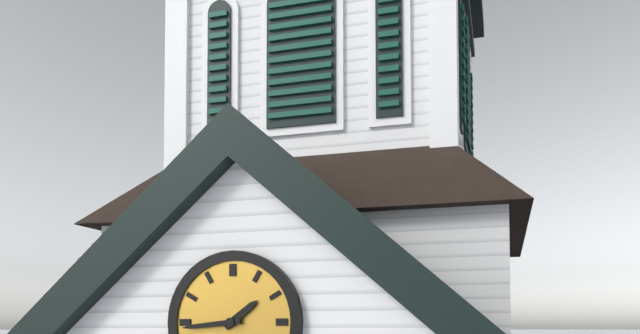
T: 1 h 44 min
